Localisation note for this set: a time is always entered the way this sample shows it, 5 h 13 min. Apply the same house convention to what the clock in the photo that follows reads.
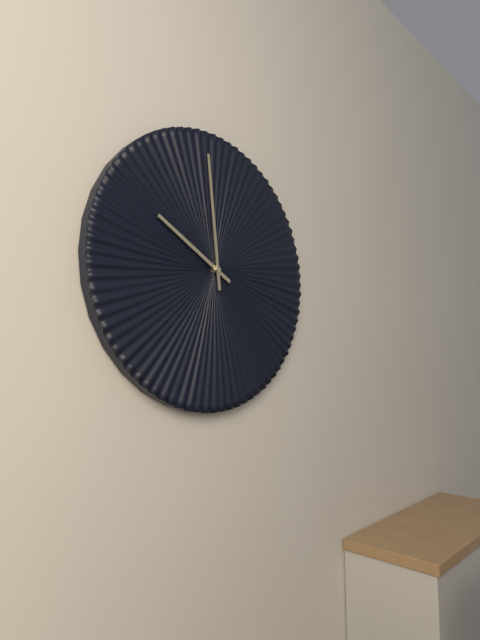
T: 9 h 59 min
